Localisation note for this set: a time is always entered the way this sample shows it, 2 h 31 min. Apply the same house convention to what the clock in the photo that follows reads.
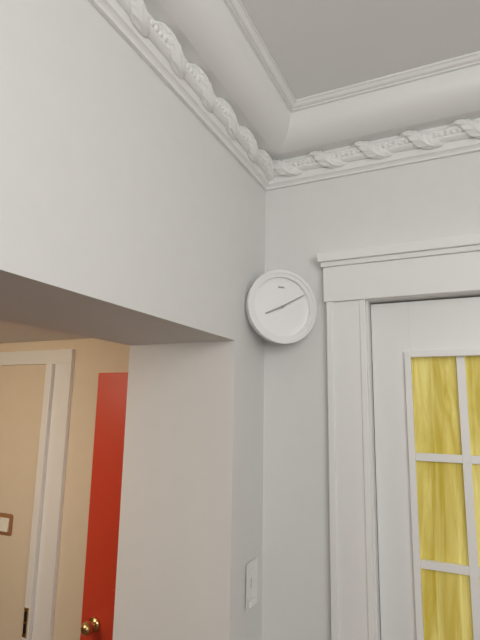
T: 8 h 10 min
